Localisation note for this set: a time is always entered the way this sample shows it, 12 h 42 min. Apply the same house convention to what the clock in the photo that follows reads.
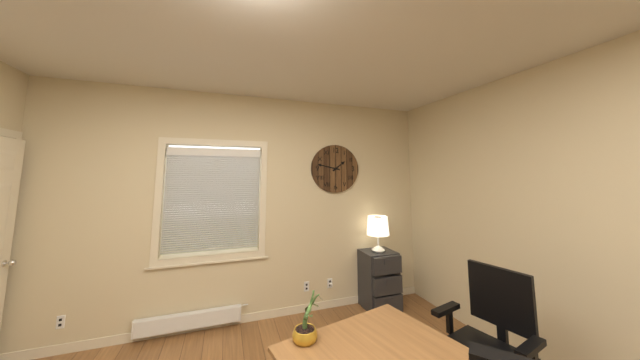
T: 1 h 47 min
